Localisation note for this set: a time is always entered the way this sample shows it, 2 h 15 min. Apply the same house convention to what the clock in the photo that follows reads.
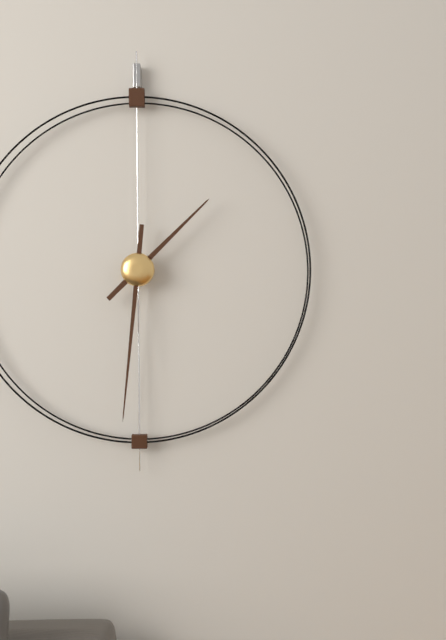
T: 1 h 31 min
